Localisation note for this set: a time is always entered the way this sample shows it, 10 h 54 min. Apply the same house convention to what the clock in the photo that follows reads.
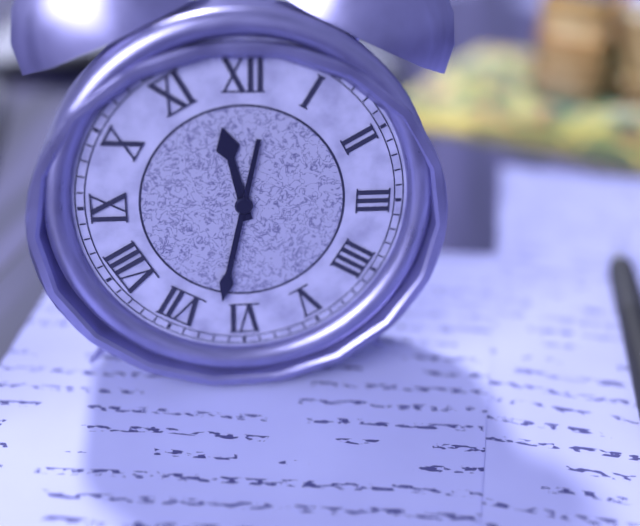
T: 11 h 32 min
